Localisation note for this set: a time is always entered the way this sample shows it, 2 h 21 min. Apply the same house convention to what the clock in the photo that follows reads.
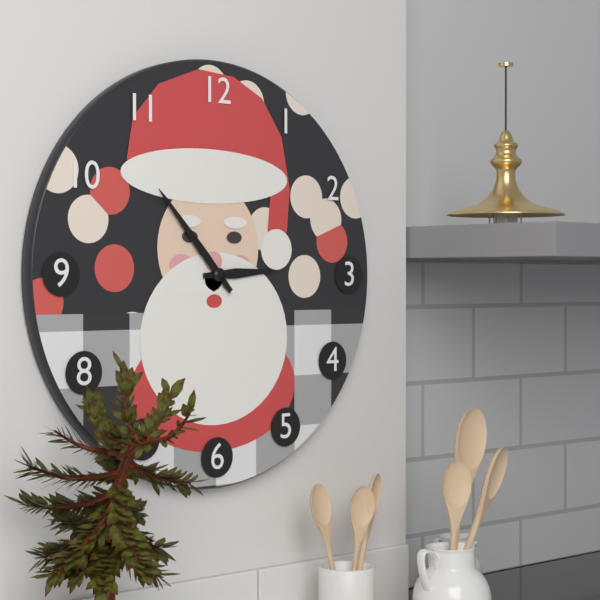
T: 2 h 53 min
